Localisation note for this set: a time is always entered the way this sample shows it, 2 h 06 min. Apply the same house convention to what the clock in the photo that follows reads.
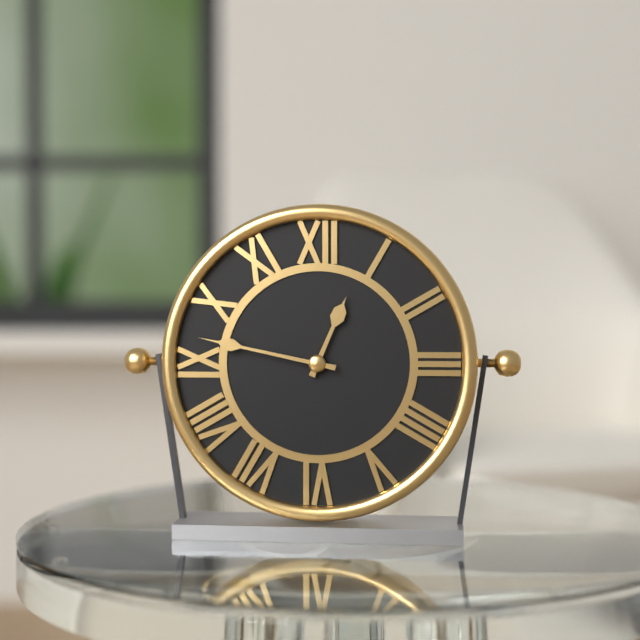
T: 12 h 47 min
